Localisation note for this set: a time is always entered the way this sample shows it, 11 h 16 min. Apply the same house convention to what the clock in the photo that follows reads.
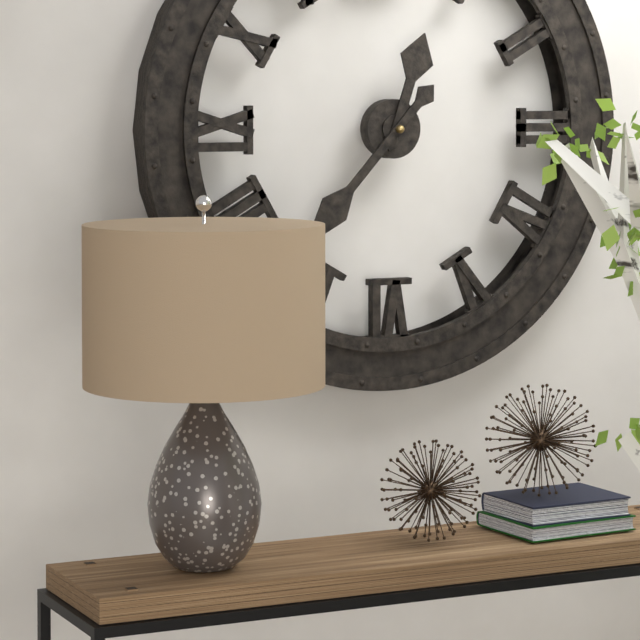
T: 12 h 37 min
